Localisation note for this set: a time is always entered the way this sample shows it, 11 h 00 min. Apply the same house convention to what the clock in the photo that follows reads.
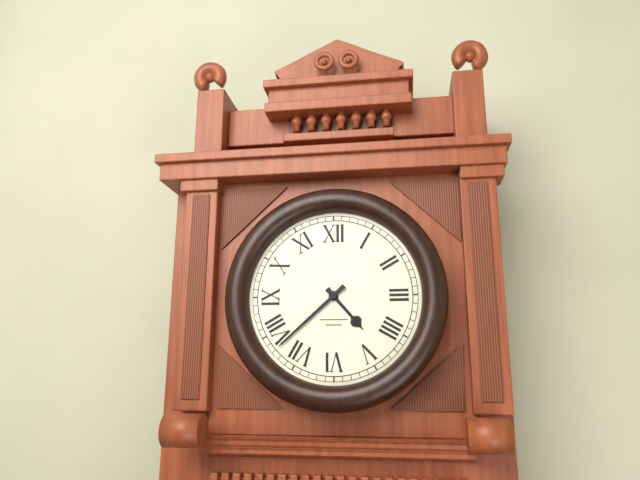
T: 4 h 38 min
